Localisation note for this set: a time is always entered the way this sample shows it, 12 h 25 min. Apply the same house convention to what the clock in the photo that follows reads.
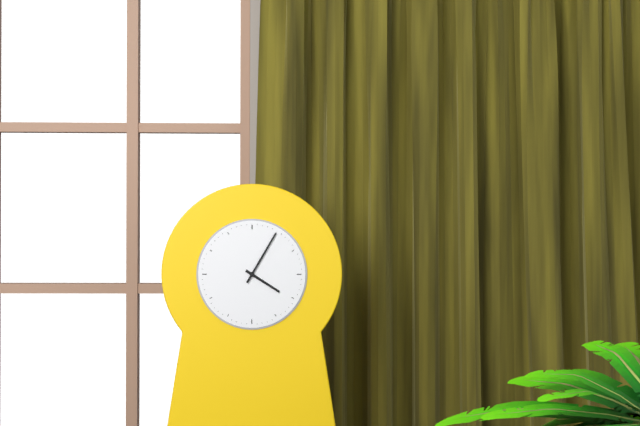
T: 4 h 05 min
